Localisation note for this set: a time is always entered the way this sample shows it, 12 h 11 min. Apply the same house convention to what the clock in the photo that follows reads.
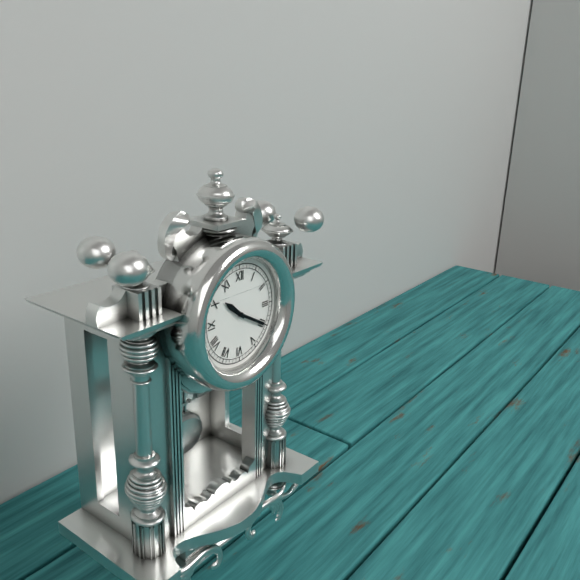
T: 10 h 20 min
